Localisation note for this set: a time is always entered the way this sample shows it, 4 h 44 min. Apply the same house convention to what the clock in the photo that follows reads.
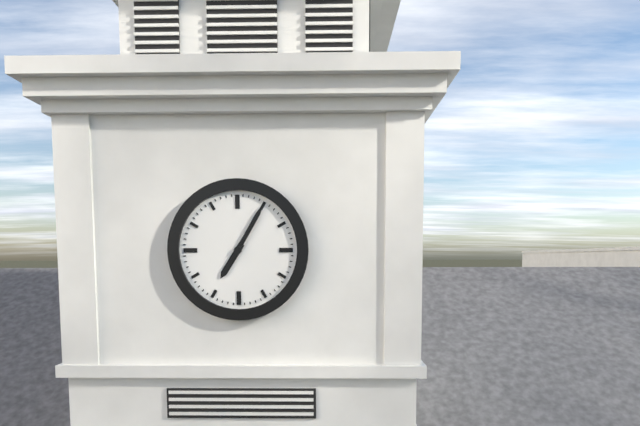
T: 7 h 05 min
